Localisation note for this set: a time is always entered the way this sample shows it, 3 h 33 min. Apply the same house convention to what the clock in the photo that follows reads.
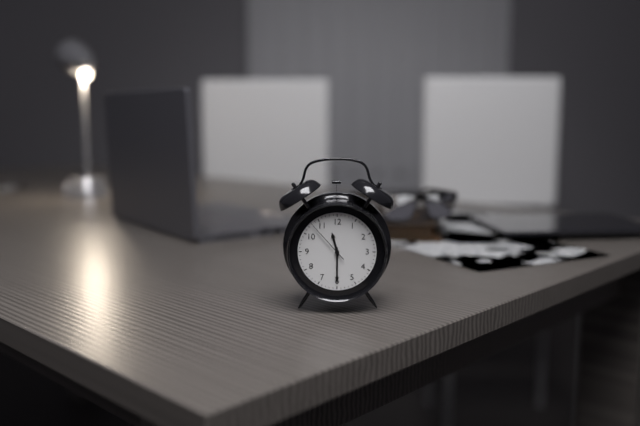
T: 11 h 30 min
